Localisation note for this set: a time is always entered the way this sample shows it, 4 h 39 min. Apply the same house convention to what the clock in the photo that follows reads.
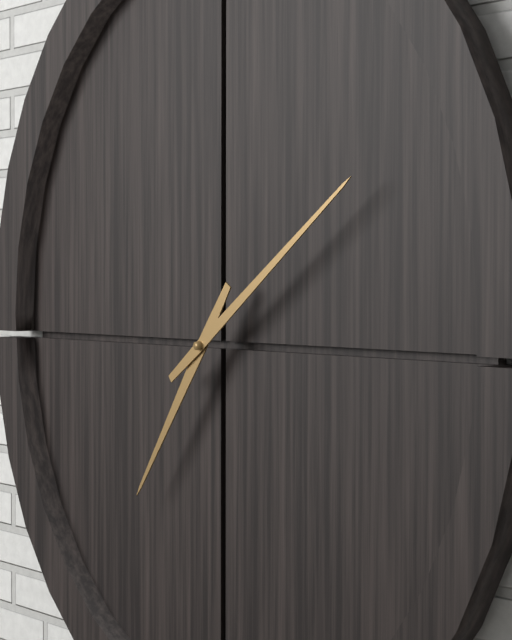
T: 7 h 09 min
